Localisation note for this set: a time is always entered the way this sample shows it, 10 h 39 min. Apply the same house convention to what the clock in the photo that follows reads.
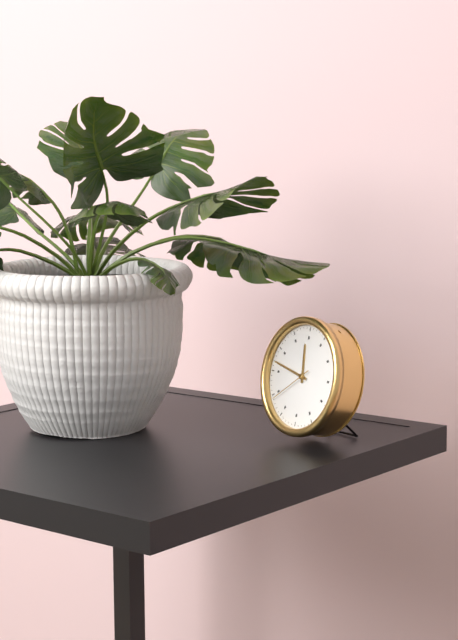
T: 11 h 47 min
